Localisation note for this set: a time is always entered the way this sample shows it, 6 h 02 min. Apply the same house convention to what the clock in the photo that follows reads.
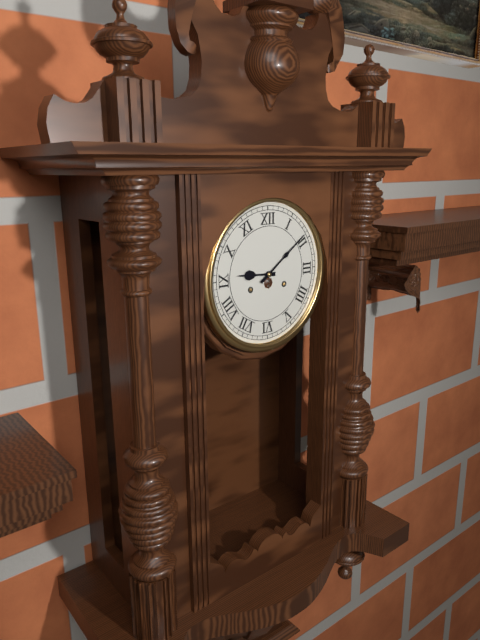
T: 9 h 09 min
